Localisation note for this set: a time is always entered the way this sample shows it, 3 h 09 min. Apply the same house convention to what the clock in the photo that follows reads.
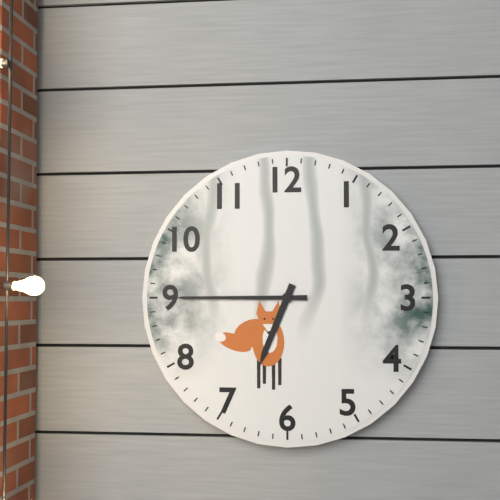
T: 6 h 45 min
